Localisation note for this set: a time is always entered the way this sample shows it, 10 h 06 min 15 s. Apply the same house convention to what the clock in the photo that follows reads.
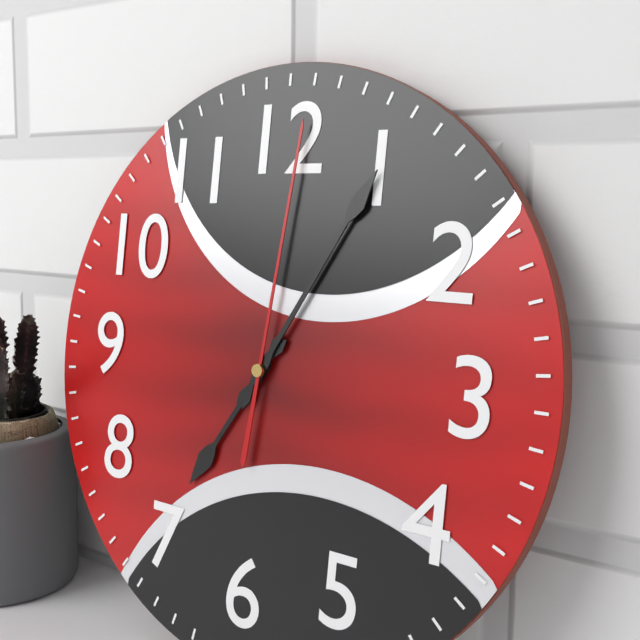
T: 7 h 05 min 01 s
